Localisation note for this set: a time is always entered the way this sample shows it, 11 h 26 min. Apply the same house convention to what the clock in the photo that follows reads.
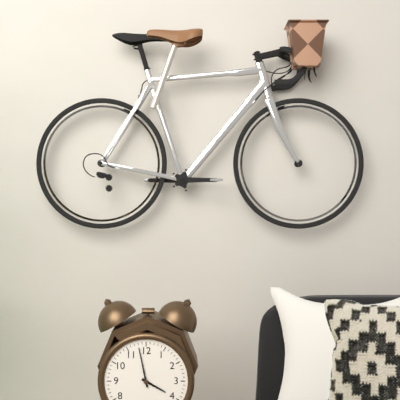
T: 3 h 58 min
